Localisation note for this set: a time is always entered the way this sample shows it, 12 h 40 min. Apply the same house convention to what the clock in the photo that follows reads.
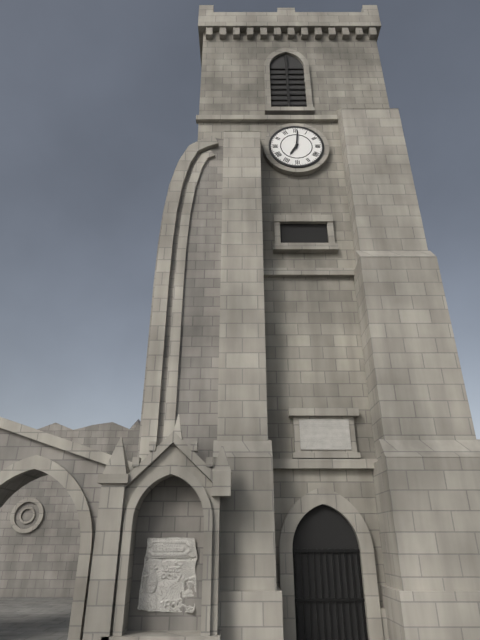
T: 7 h 01 min
